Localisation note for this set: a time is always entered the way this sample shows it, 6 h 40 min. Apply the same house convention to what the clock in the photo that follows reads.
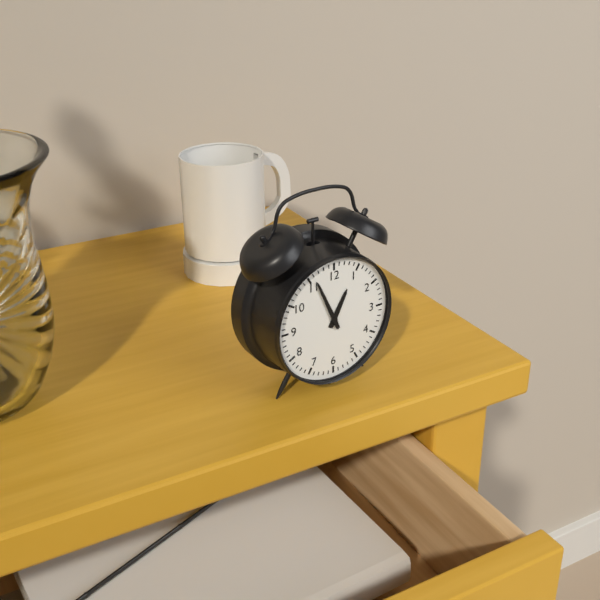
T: 12 h 56 min
